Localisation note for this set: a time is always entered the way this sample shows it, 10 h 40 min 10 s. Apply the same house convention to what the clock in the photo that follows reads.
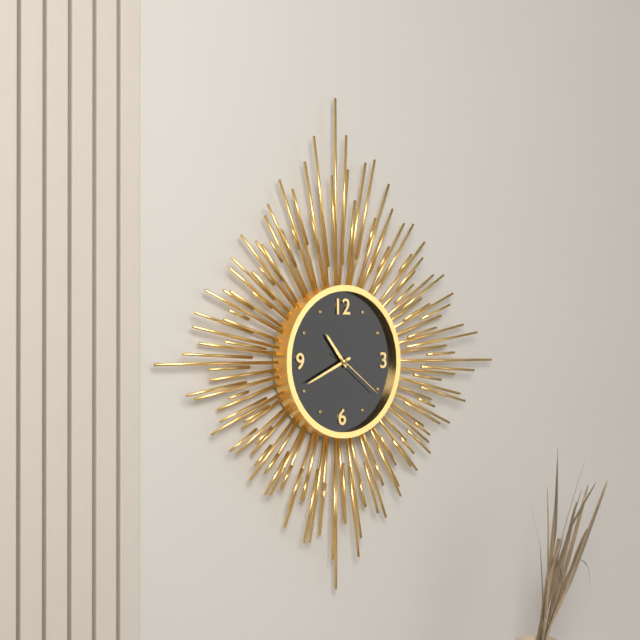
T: 10 h 41 min 21 s
